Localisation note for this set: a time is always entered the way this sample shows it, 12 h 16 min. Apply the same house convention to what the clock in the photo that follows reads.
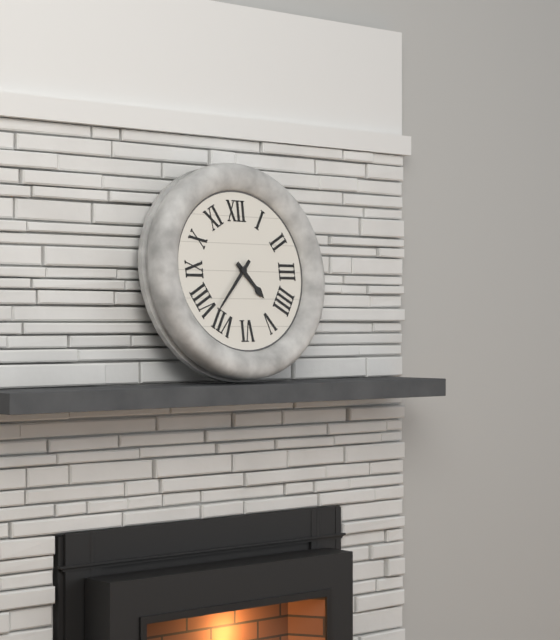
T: 4 h 37 min
